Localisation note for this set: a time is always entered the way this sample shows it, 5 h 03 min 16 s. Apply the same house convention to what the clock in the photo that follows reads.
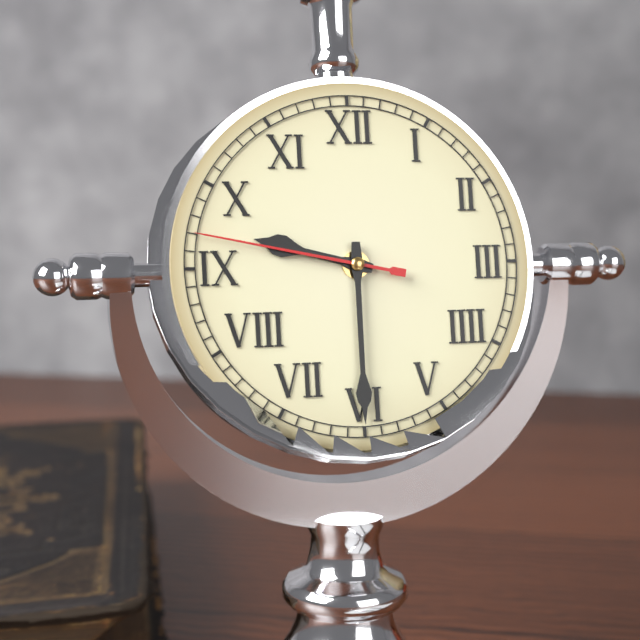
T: 9 h 30 min 47 s
